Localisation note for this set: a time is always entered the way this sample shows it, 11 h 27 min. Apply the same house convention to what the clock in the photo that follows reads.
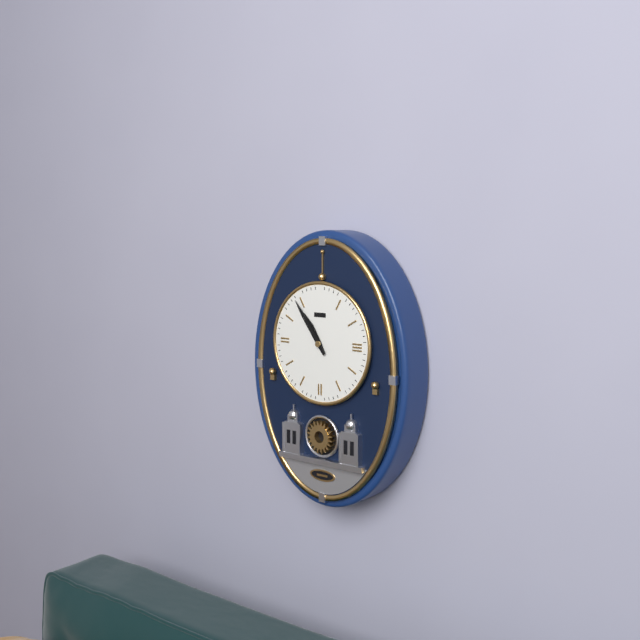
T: 10 h 54 min
